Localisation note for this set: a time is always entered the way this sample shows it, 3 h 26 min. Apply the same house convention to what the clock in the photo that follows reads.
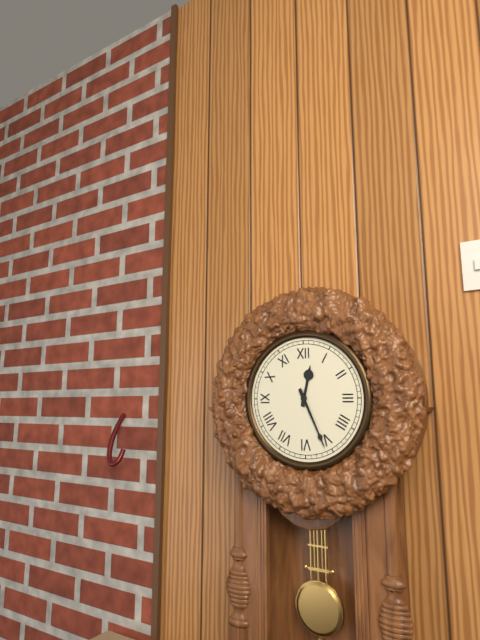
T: 12 h 26 min
